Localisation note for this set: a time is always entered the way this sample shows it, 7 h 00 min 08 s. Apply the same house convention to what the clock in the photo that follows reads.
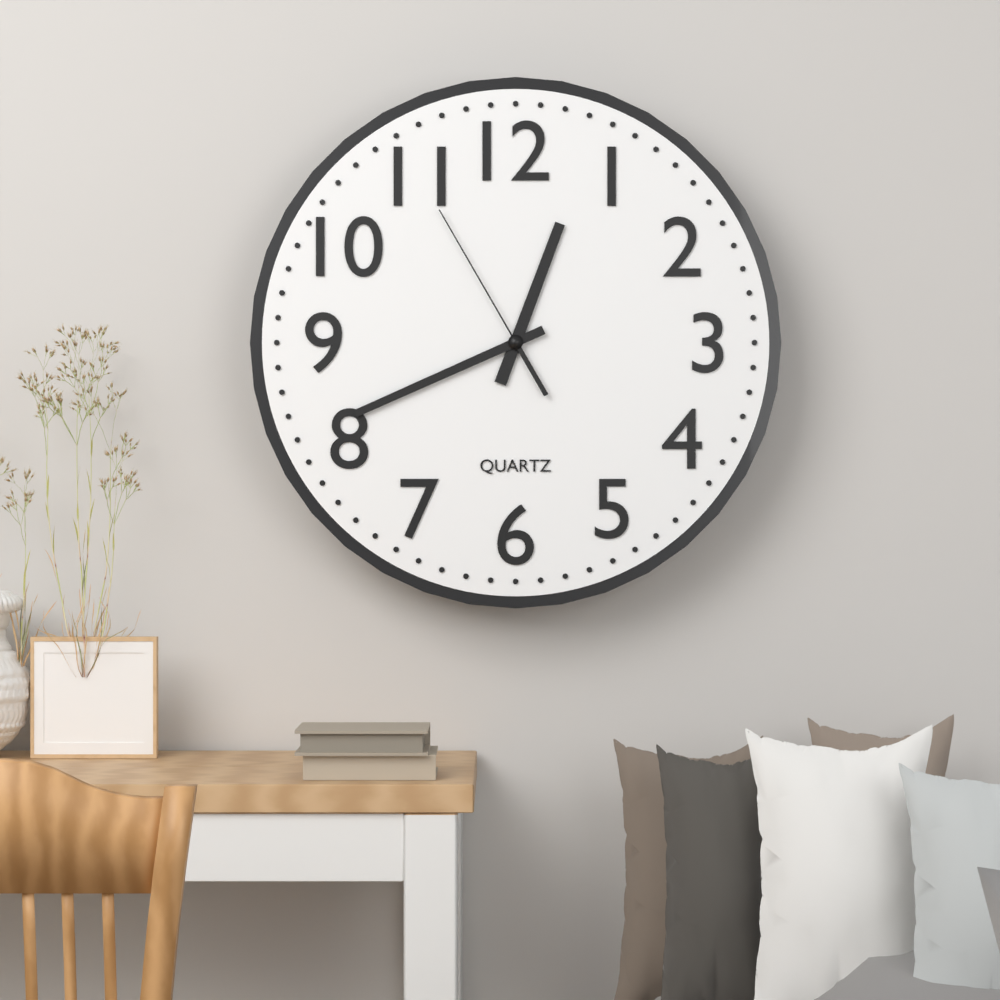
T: 12 h 41 min 55 s
